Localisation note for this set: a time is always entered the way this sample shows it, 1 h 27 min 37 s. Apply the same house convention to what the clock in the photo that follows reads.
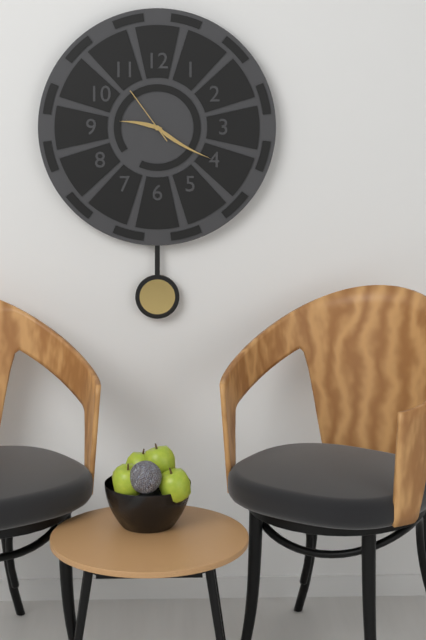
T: 9 h 20 min 54 s
